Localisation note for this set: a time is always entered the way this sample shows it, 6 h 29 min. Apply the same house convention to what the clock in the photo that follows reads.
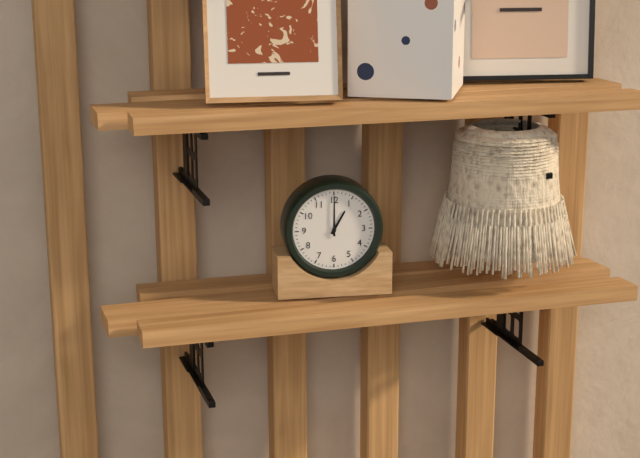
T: 1 h 00 min
